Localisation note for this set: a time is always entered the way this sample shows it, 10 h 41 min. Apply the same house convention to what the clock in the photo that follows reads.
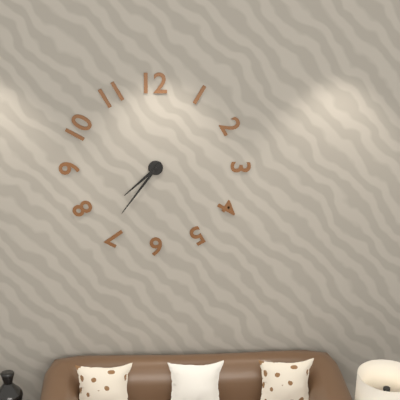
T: 7 h 36 min
